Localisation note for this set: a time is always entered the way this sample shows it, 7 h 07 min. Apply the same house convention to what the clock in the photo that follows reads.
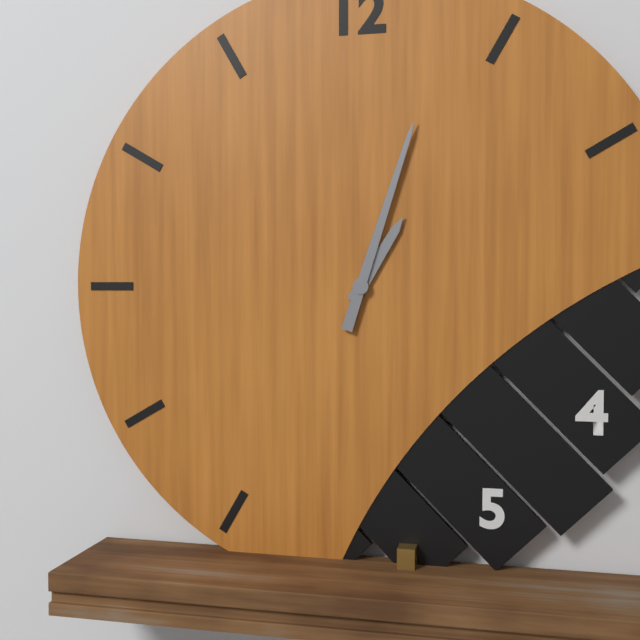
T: 1 h 03 min
